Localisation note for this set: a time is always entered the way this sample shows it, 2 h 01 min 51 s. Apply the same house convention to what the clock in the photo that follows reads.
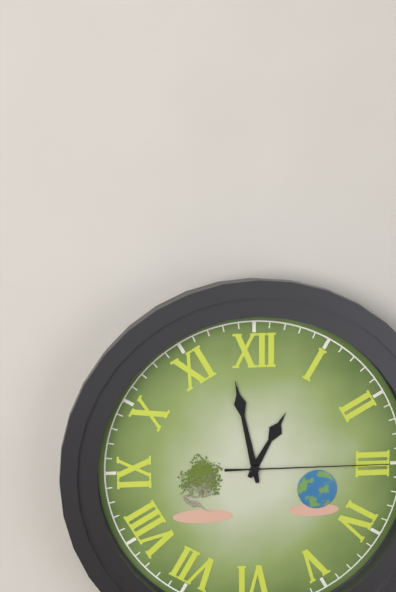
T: 12 h 58 min 15 s
